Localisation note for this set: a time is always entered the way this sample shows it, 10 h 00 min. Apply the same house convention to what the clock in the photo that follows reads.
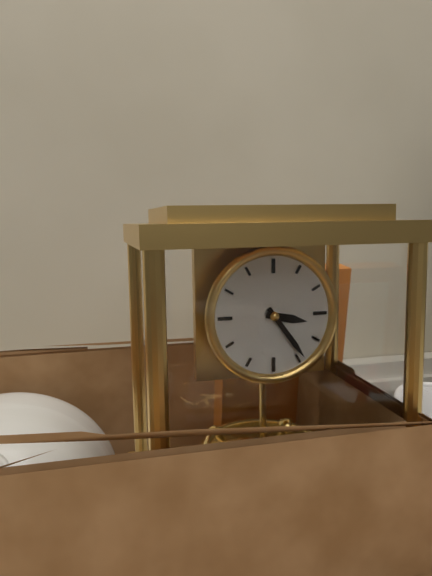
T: 3 h 24 min
